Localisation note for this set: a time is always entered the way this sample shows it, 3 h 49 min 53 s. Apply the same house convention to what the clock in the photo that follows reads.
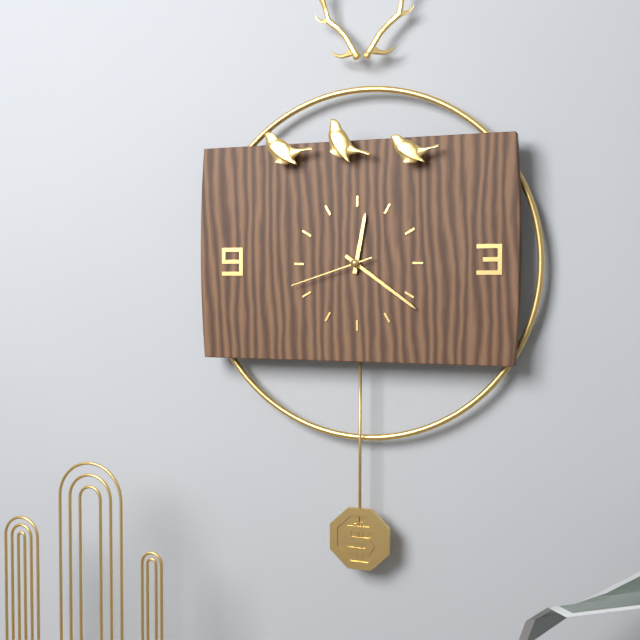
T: 12 h 21 min 42 s
